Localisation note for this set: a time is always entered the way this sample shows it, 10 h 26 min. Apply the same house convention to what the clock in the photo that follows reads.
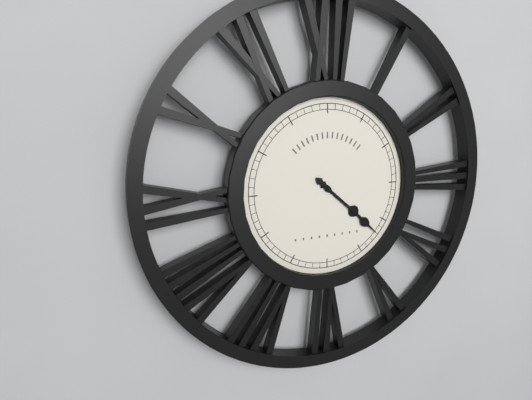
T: 4 h 22 min
